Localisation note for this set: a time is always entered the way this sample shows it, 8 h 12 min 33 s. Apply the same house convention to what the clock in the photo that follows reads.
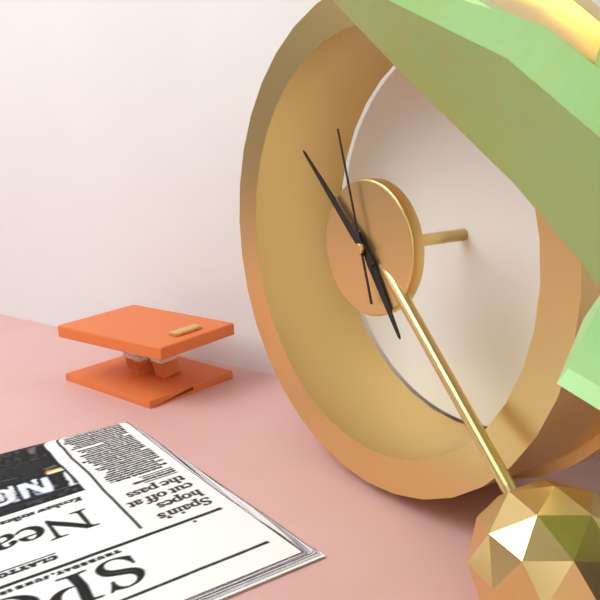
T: 4 h 52 min 57 s
